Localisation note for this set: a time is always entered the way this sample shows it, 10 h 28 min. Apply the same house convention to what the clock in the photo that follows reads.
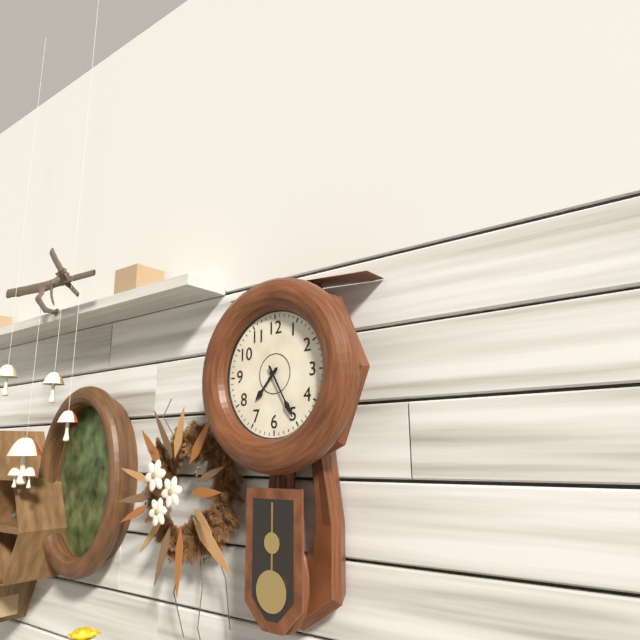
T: 7 h 25 min
